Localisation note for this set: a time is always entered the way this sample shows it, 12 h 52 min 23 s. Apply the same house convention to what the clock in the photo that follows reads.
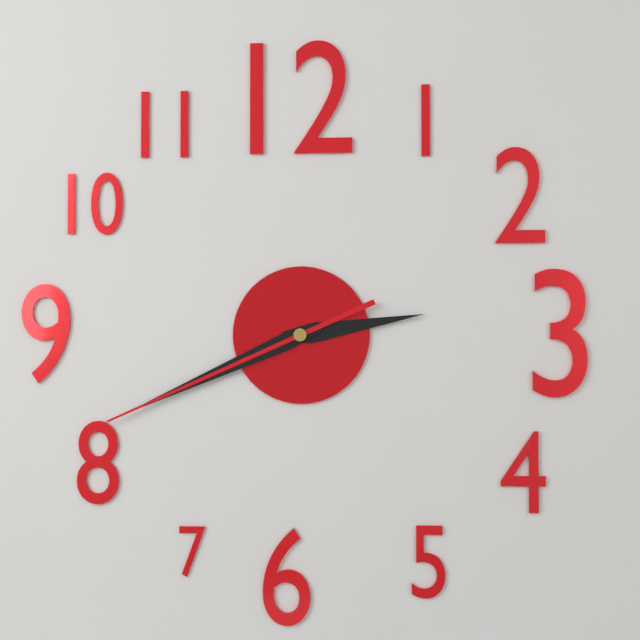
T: 2 h 41 min 41 s
